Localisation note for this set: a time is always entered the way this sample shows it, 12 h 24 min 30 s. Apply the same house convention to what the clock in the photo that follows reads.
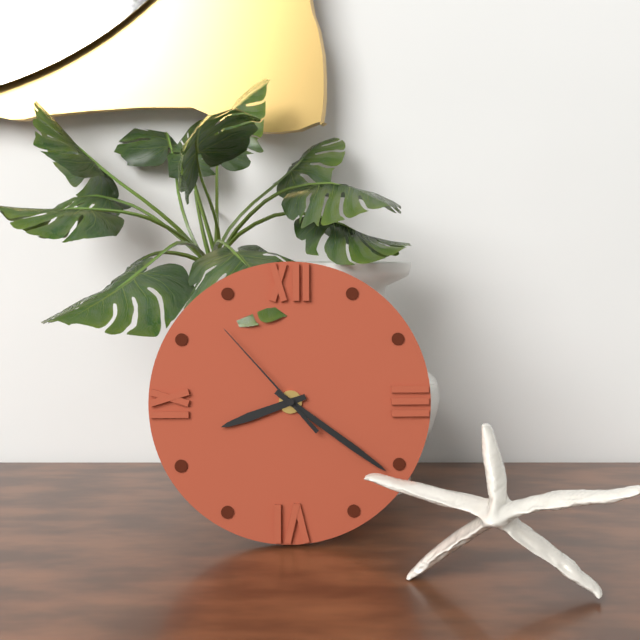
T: 8 h 21 min 53 s
